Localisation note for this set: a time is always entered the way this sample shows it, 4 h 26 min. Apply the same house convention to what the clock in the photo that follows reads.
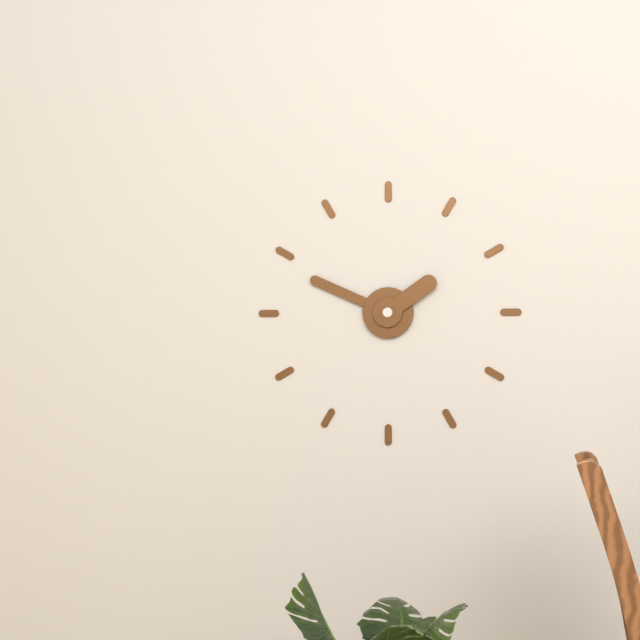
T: 1 h 49 min
